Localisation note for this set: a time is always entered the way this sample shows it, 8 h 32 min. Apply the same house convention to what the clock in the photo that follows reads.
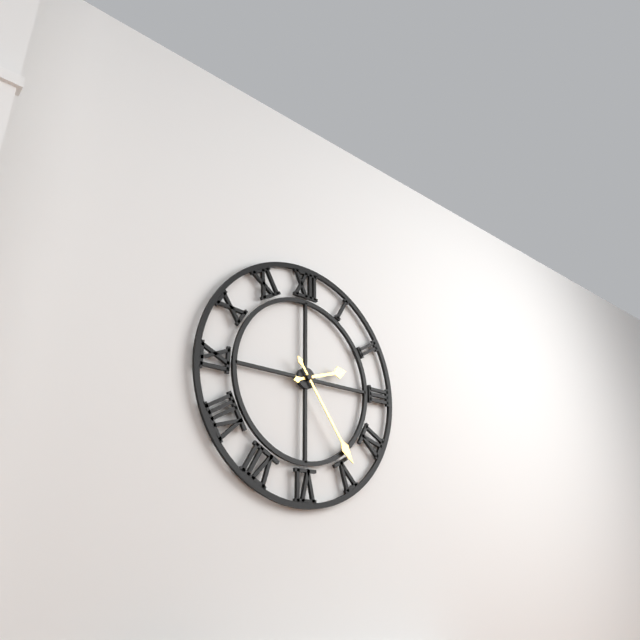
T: 2 h 24 min
